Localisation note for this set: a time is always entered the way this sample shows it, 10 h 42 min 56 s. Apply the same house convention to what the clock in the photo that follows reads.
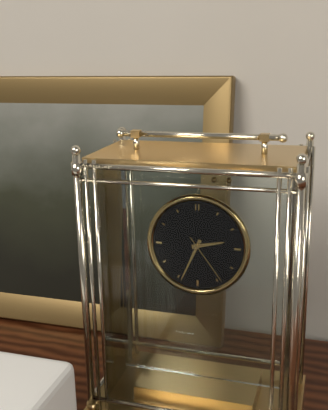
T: 2 h 34 min 24 s
